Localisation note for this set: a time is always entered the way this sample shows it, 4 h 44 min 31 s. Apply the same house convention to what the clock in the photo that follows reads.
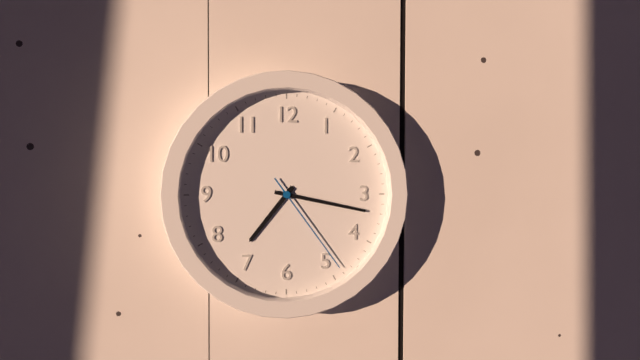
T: 7 h 17 min 24 s
